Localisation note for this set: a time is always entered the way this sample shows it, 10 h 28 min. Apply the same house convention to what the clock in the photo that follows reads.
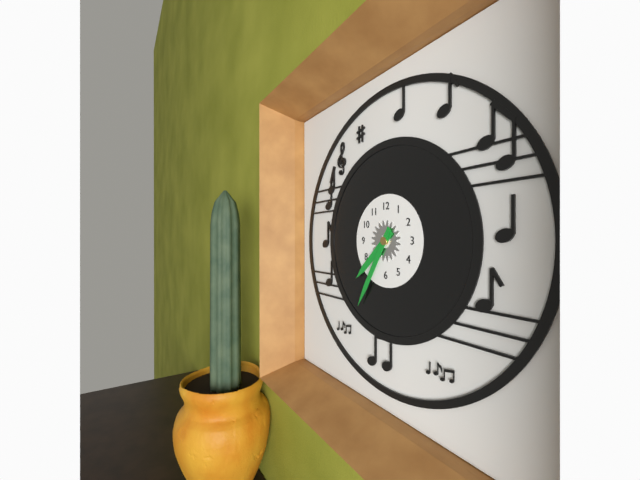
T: 7 h 35 min
